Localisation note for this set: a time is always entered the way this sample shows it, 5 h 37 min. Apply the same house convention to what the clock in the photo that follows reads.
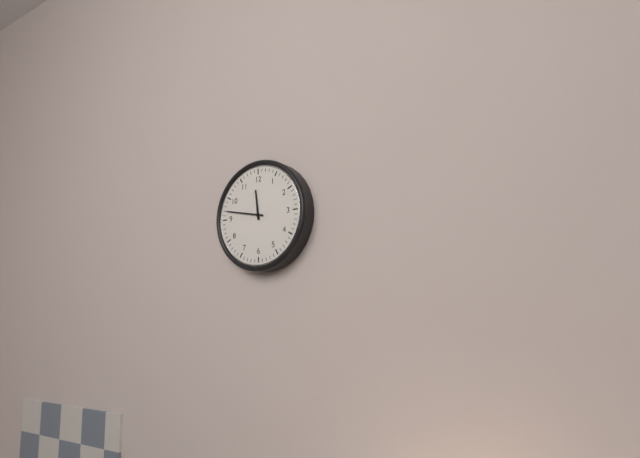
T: 11 h 47 min
